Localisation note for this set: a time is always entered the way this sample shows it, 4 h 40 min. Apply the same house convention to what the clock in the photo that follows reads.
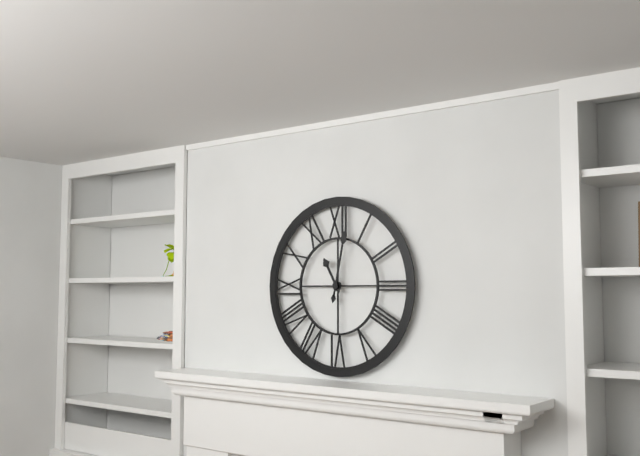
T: 11 h 02 min
